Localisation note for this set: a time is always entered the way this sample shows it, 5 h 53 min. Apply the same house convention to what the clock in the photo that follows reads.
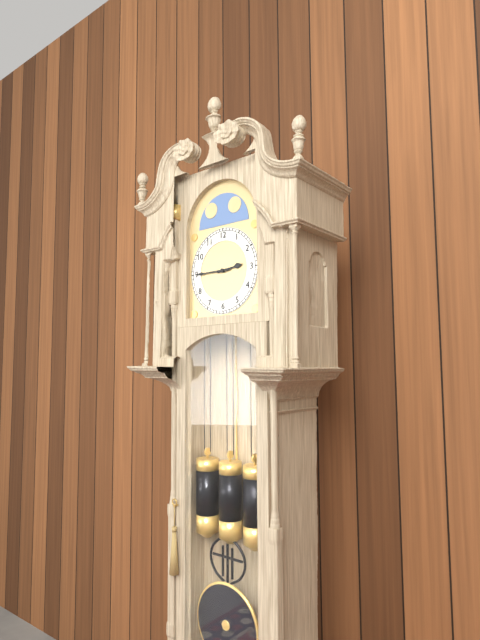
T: 2 h 45 min
